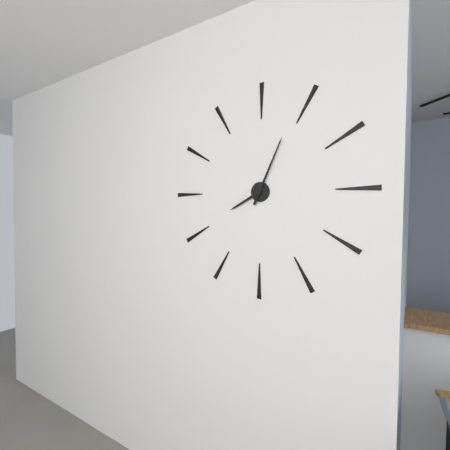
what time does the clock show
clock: 8:04
